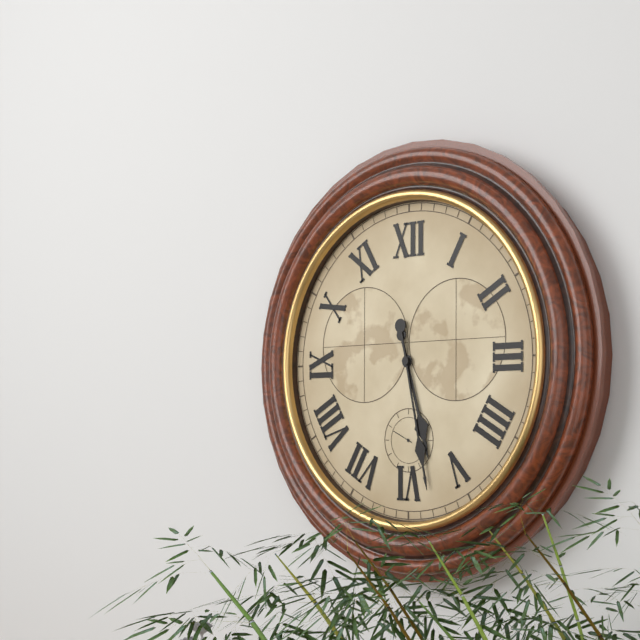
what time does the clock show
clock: 5:28
